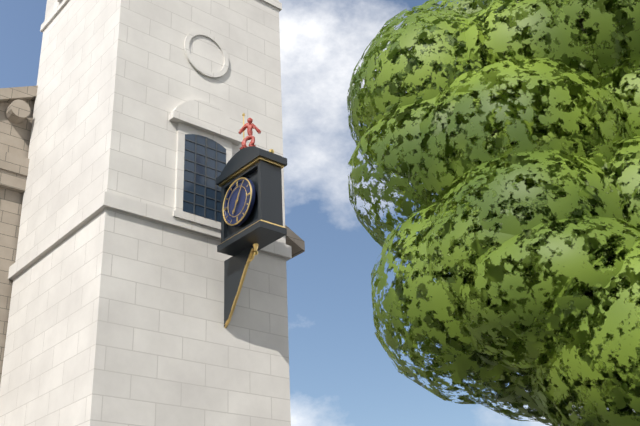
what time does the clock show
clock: 7:05
